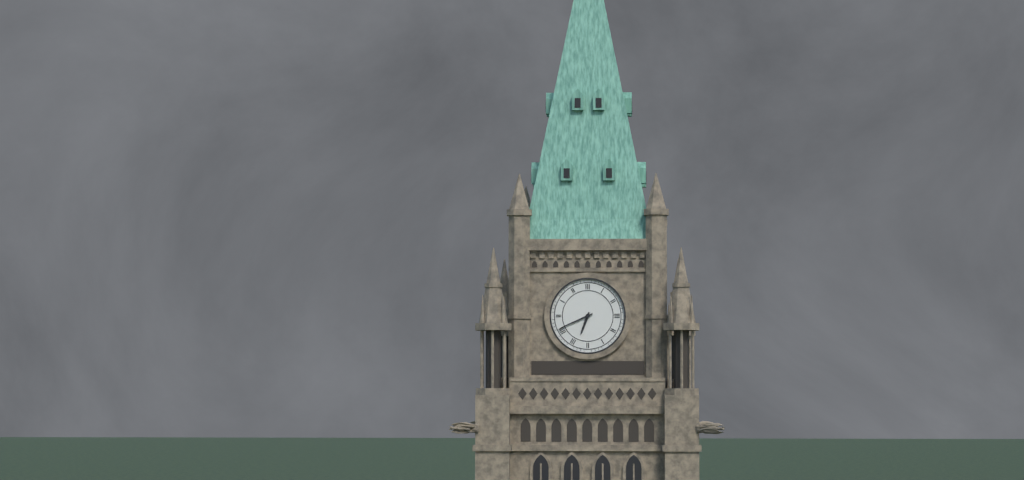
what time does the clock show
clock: 6:41
